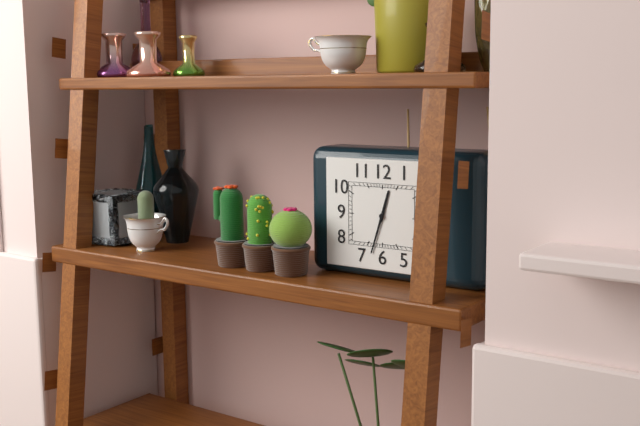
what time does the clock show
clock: 12:33
